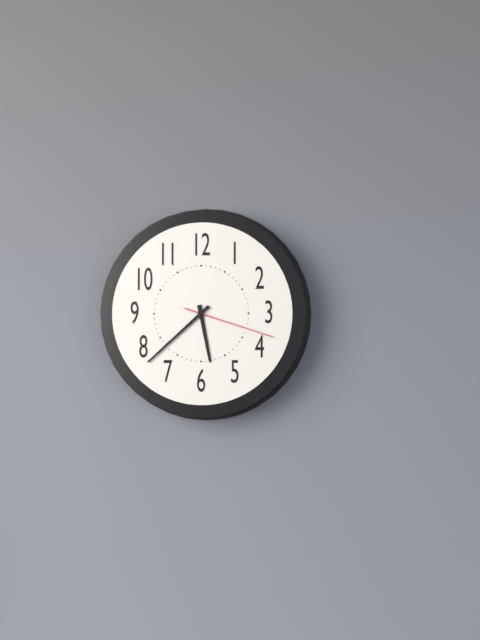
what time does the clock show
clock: 5:38:18
